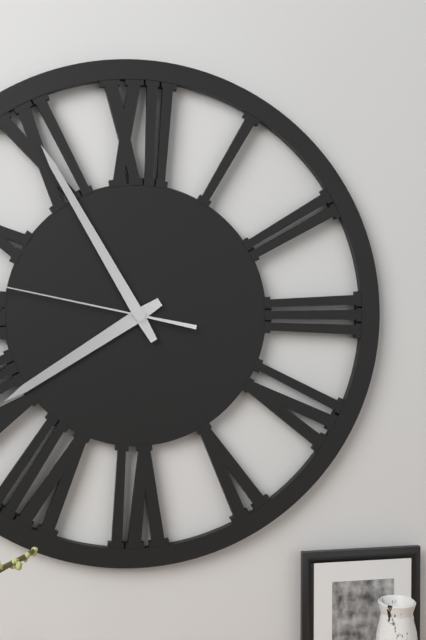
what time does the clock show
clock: 7:55
